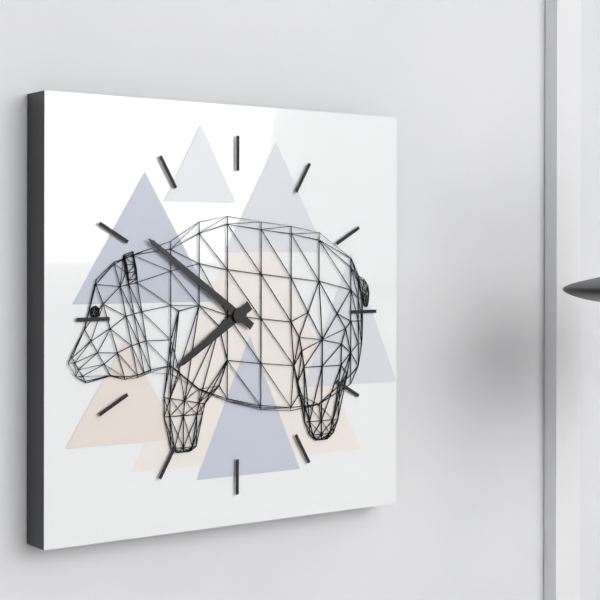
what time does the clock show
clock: 7:51
